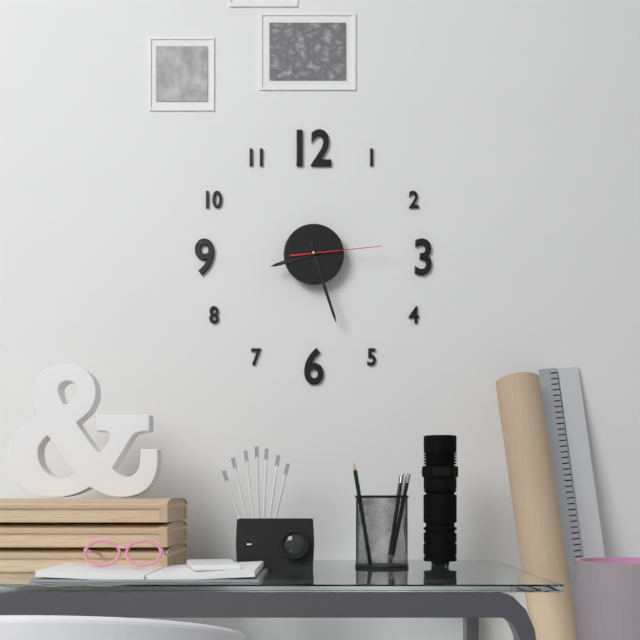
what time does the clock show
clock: 8:27:14
